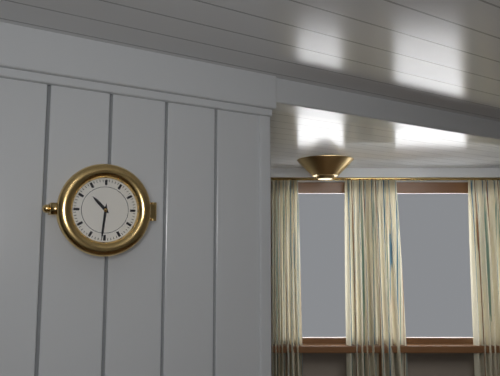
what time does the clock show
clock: 10:31
